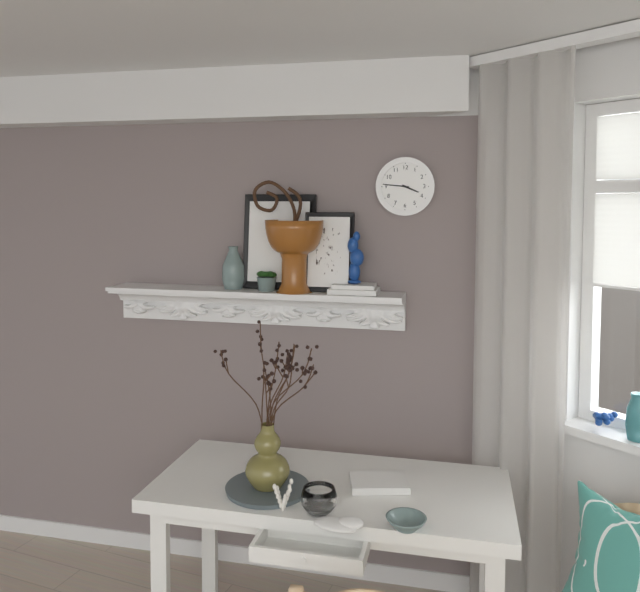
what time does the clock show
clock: 3:46
